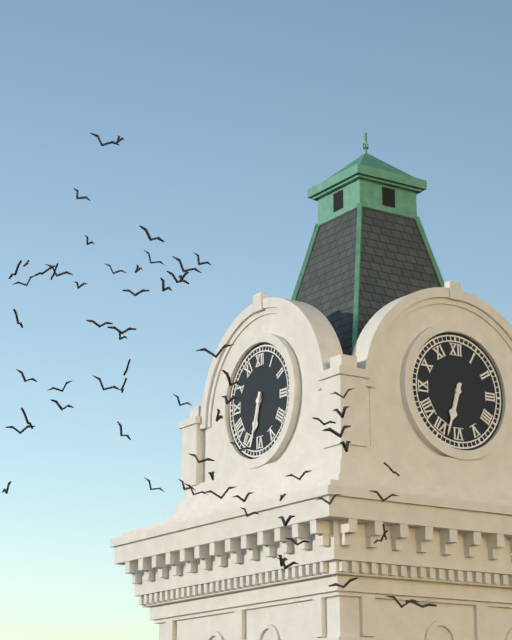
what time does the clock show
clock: 6:33
